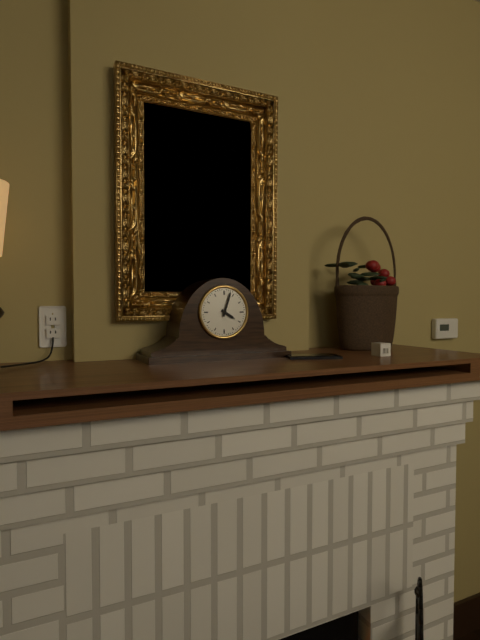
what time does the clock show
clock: 4:03
